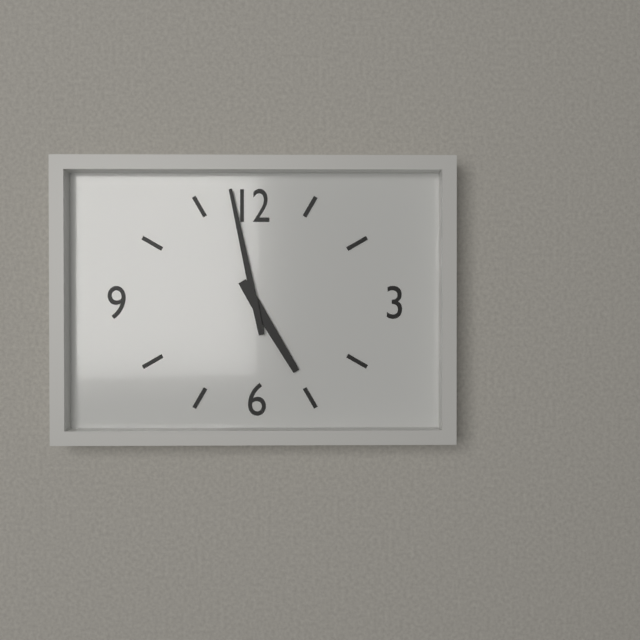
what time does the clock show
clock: 4:58
